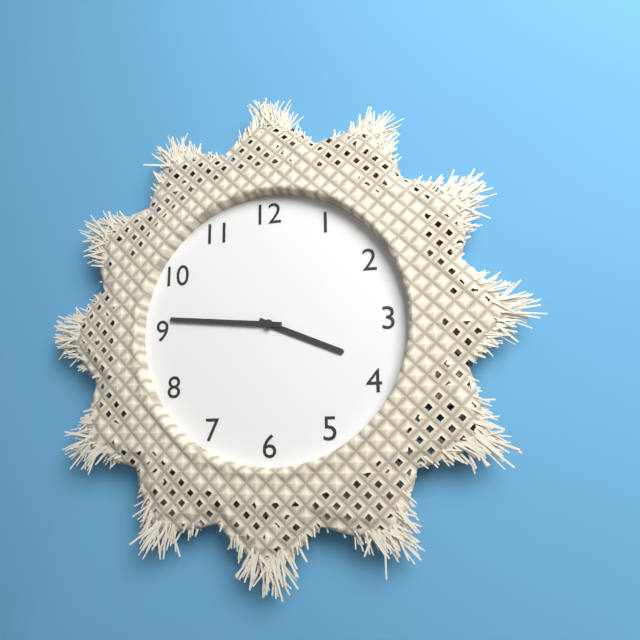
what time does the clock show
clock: 3:46
